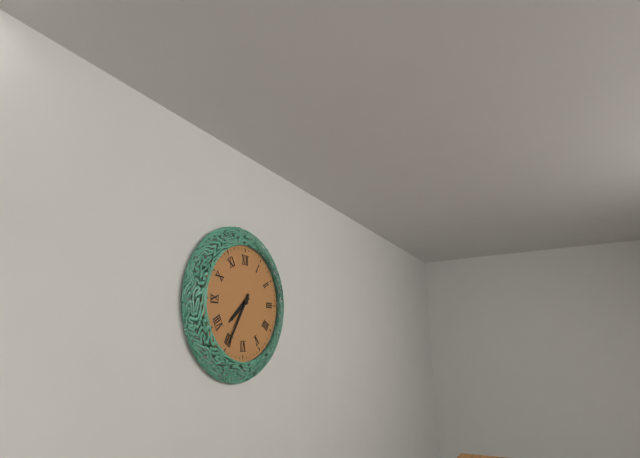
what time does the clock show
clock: 7:35
